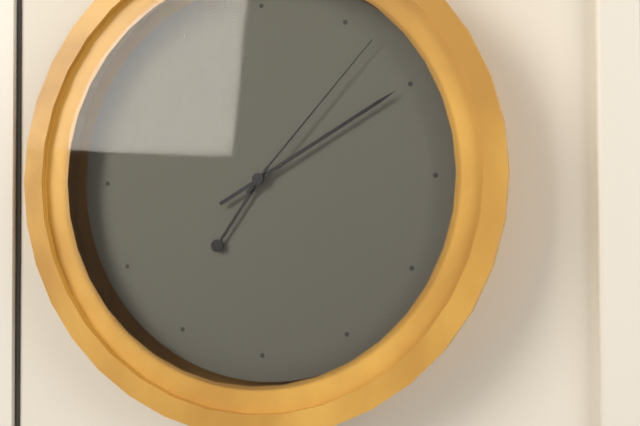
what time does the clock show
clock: 7:10:07
